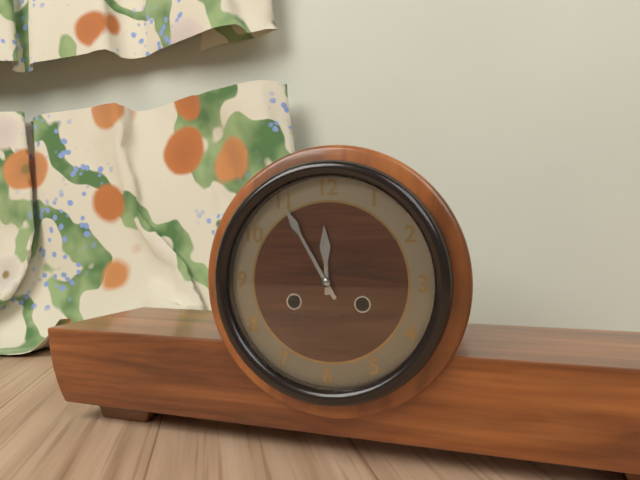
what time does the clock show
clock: 11:55
